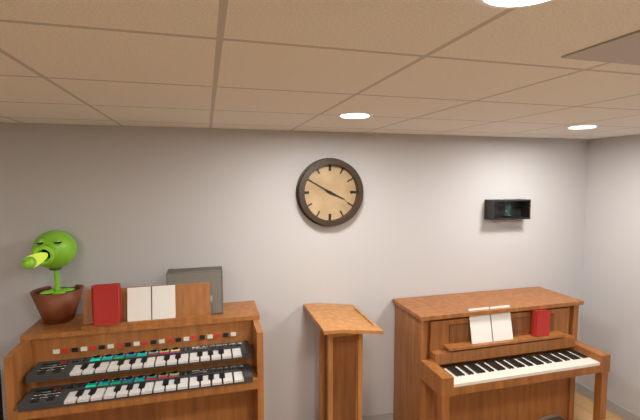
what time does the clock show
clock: 3:50
